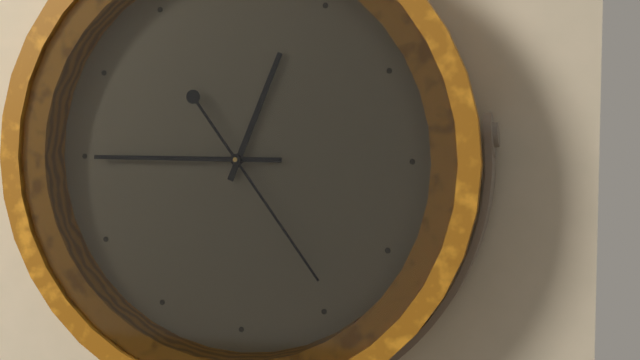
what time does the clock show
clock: 12:45:24
